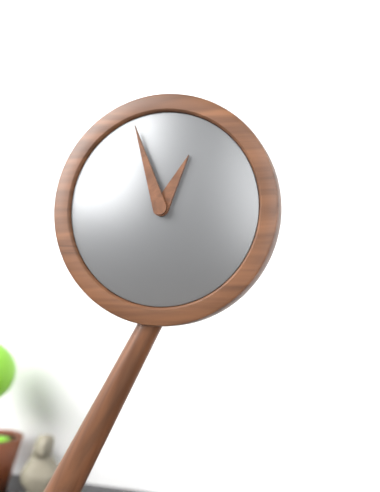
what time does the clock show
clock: 12:57
